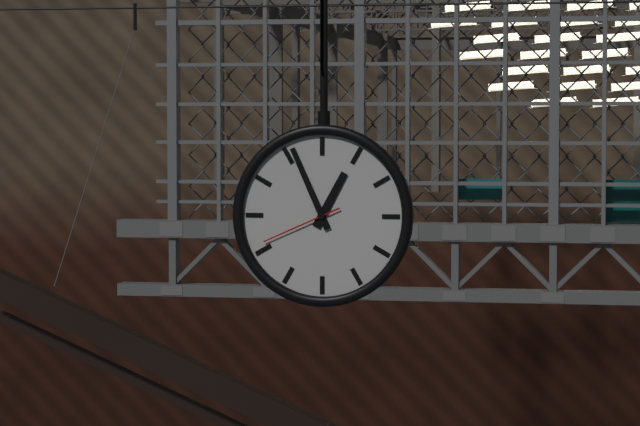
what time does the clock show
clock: 12:56:41
